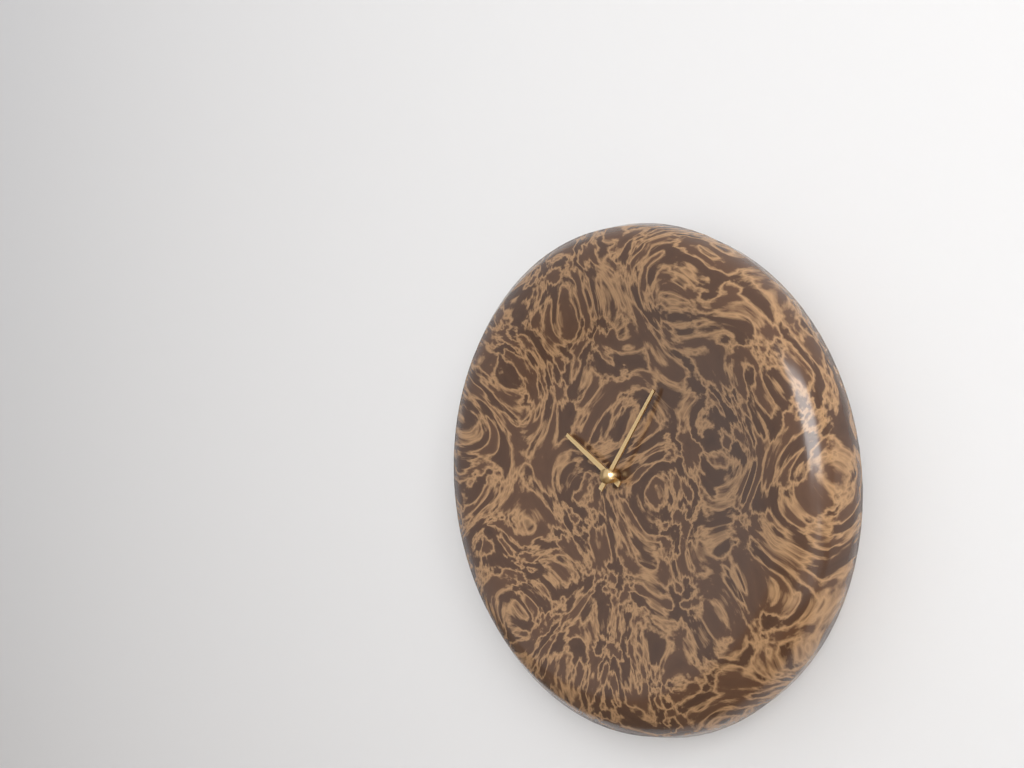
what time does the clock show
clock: 10:06
